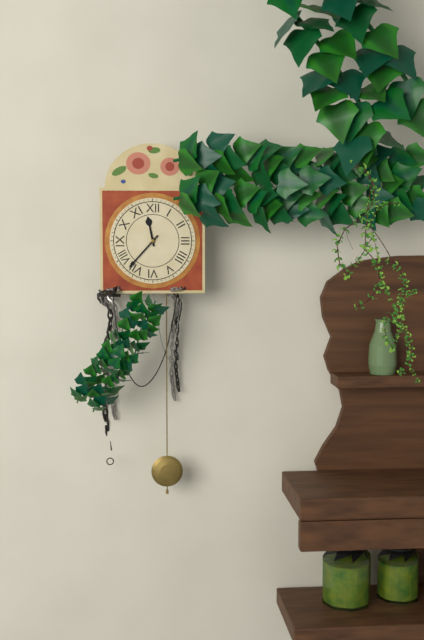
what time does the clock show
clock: 11:37
